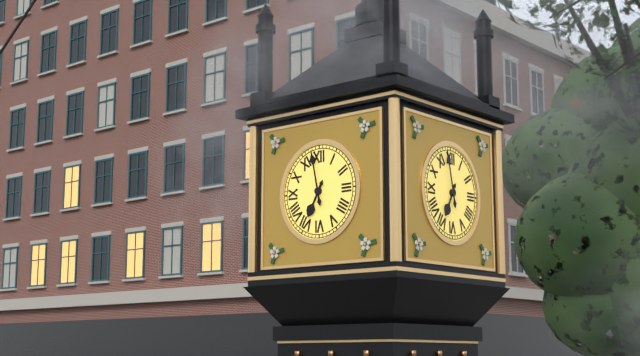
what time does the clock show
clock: 6:58
